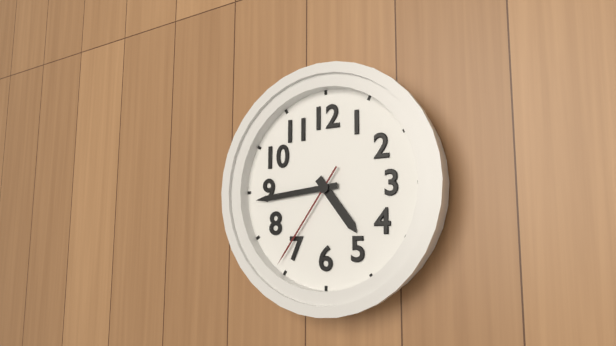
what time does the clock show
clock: 4:44:36
